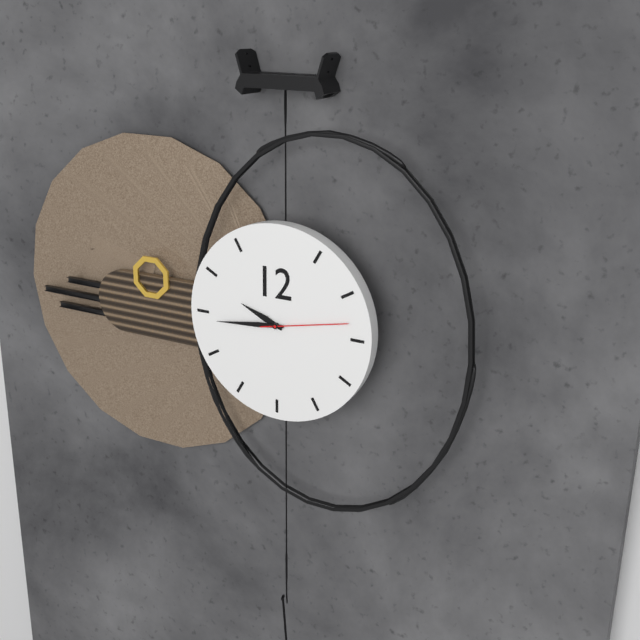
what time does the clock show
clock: 9:44:13
